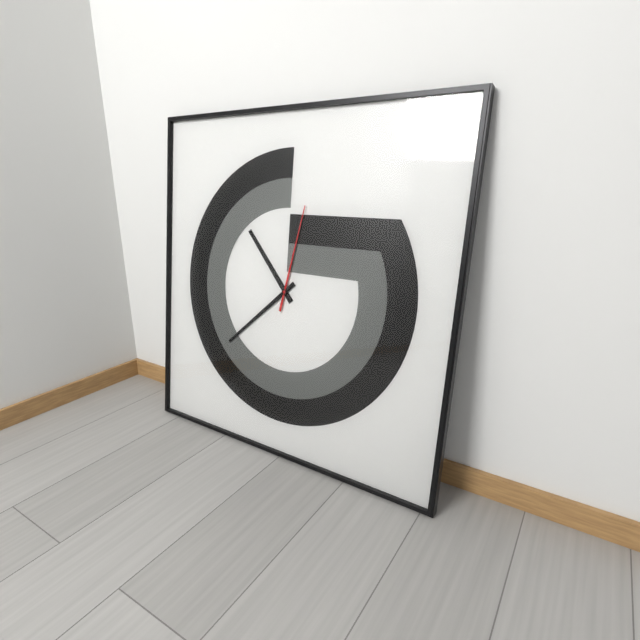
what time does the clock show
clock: 10:38:02
